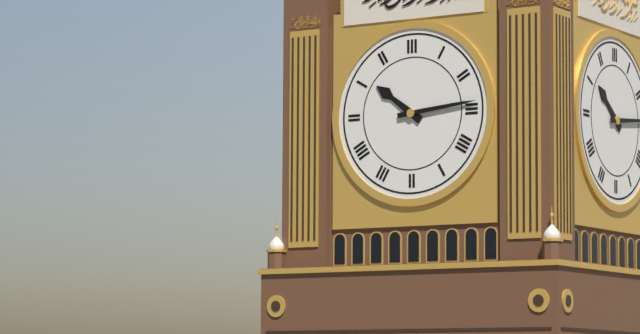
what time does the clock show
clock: 10:14
